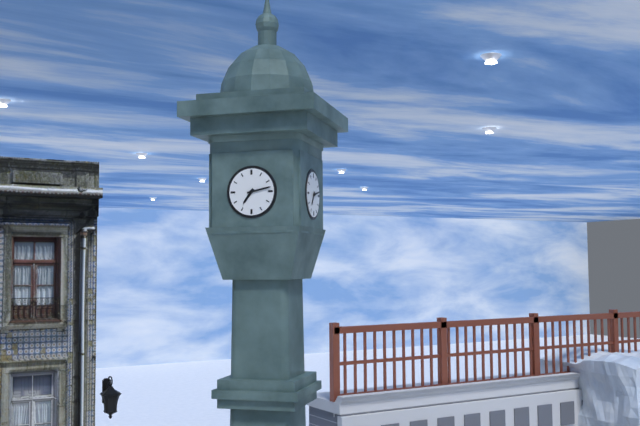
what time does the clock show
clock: 7:13
